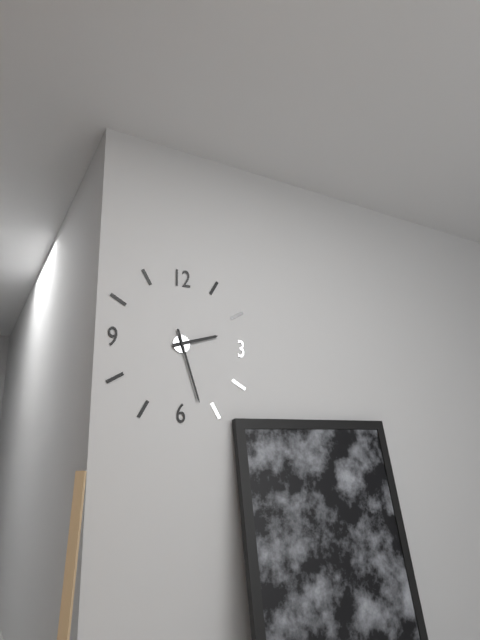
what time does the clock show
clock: 2:27
